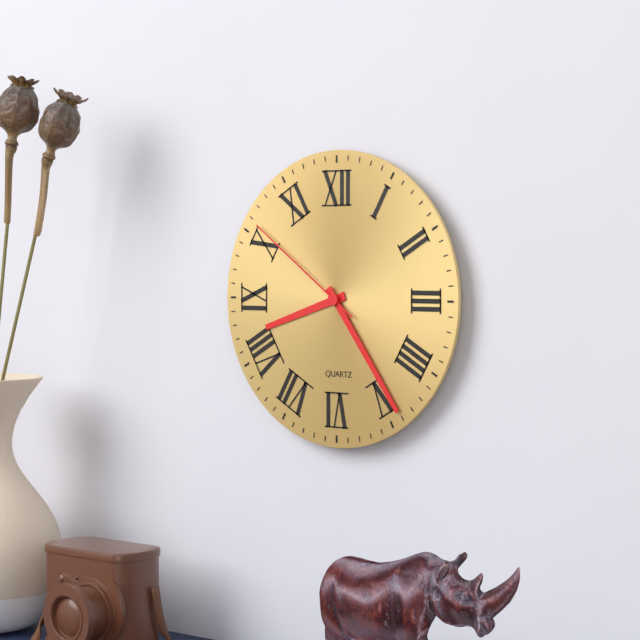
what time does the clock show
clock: 8:24:51
